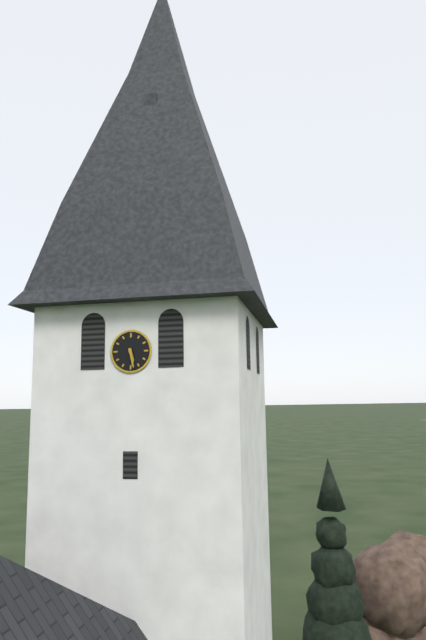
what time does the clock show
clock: 5:28
